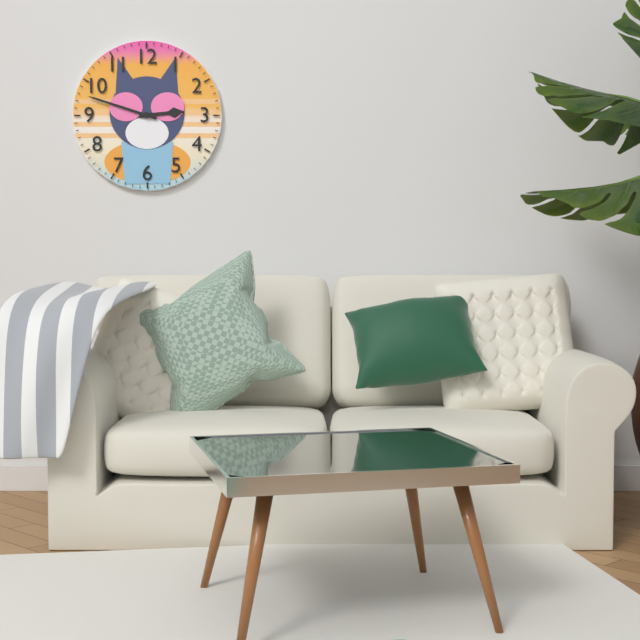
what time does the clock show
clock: 2:48
